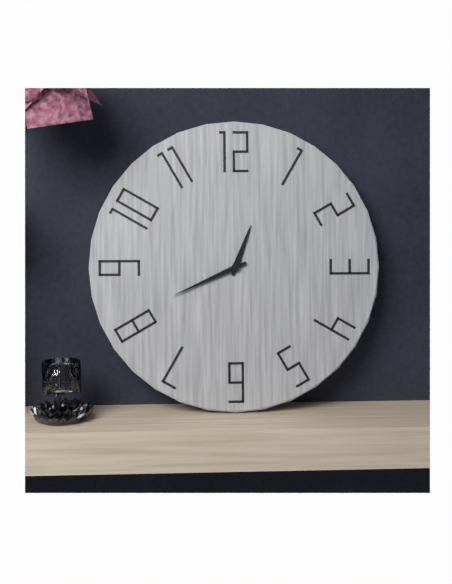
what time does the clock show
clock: 12:41
